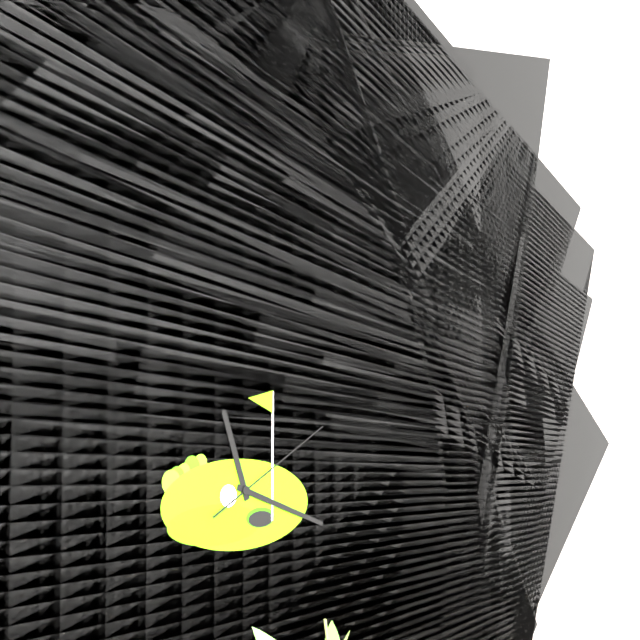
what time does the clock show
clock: 11:18:10
